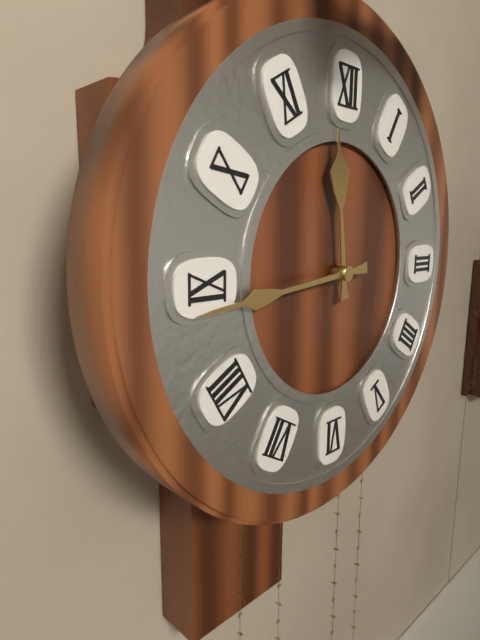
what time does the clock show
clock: 11:44
